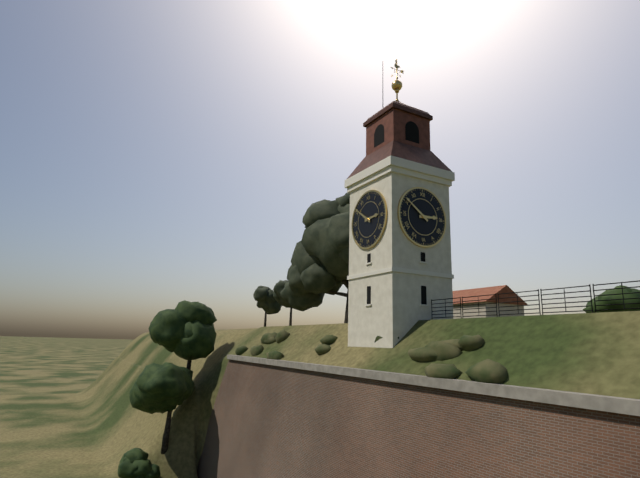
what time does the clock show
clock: 2:51
